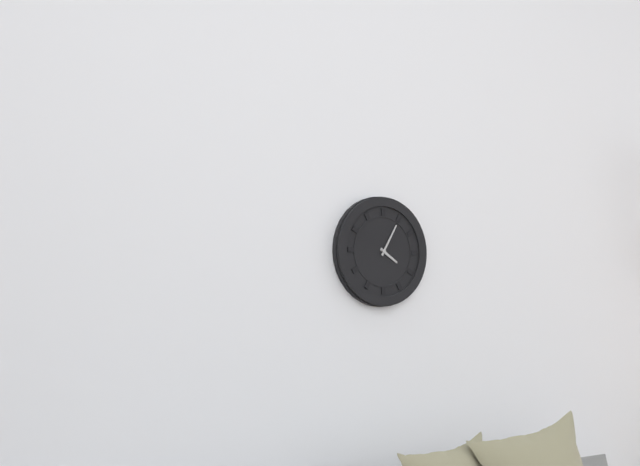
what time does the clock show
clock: 4:05
